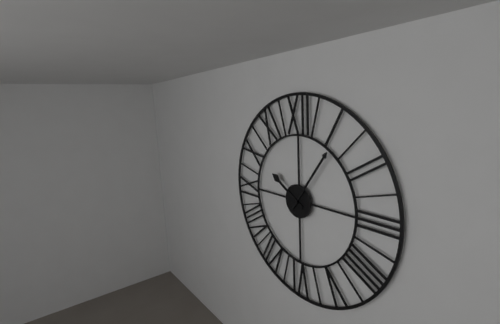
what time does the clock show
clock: 10:06
